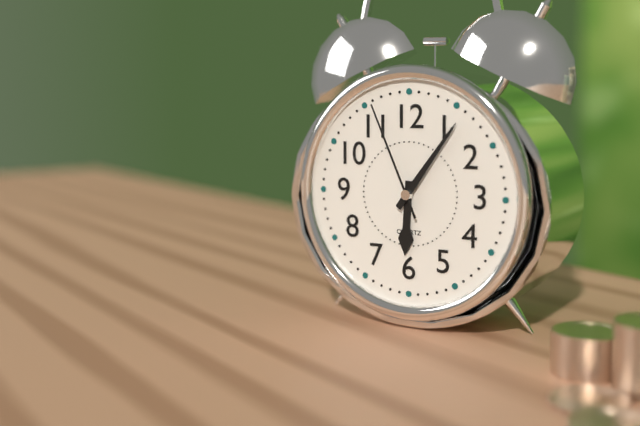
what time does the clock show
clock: 6:06:56
